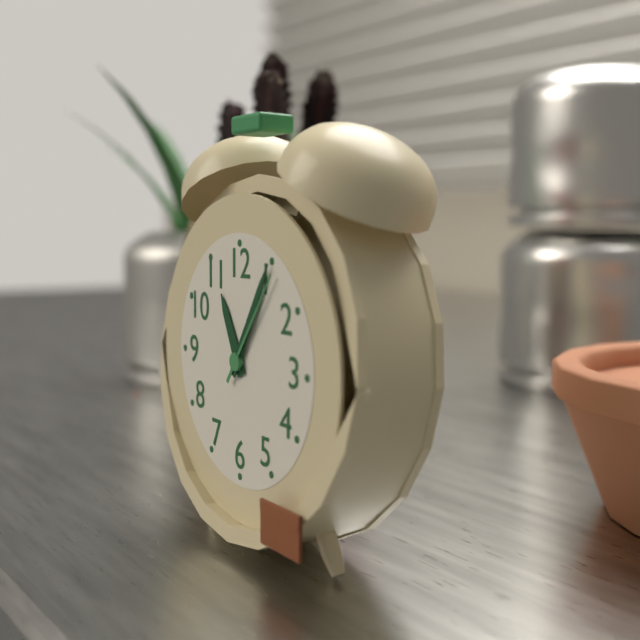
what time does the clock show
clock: 11:05:06
